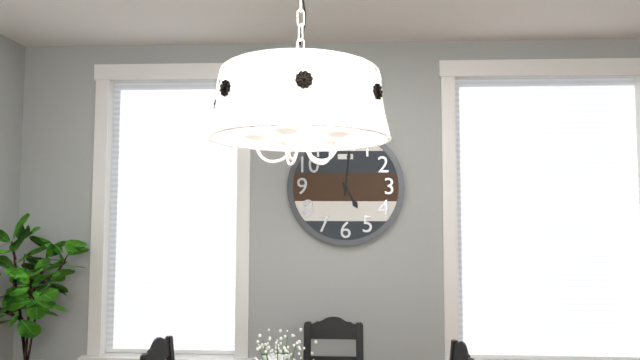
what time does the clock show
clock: 5:01
